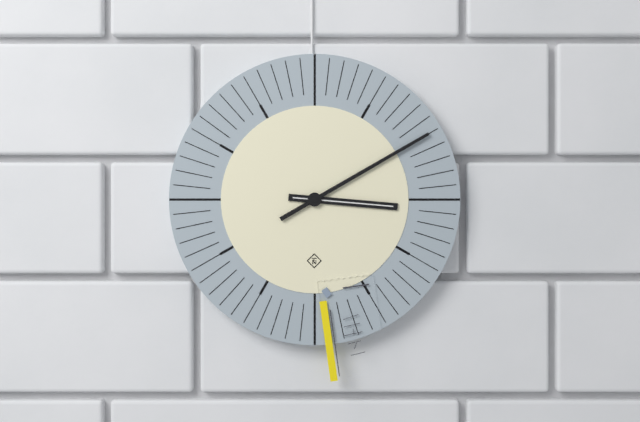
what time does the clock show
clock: 3:10
